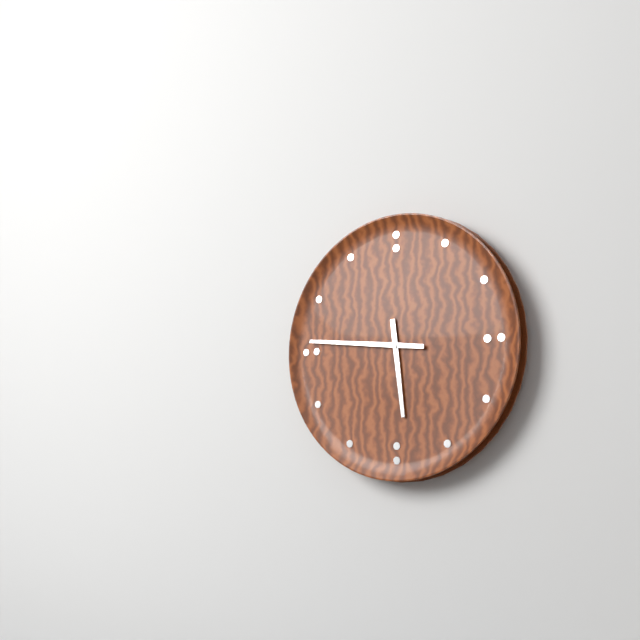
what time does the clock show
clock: 5:46
